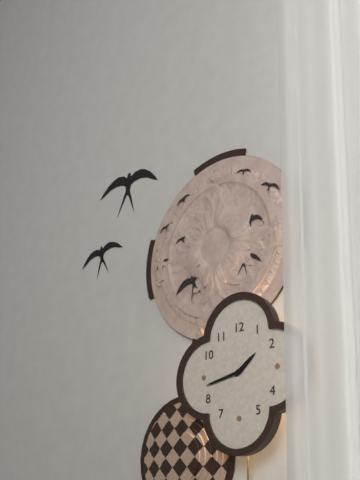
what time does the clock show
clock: 1:43
